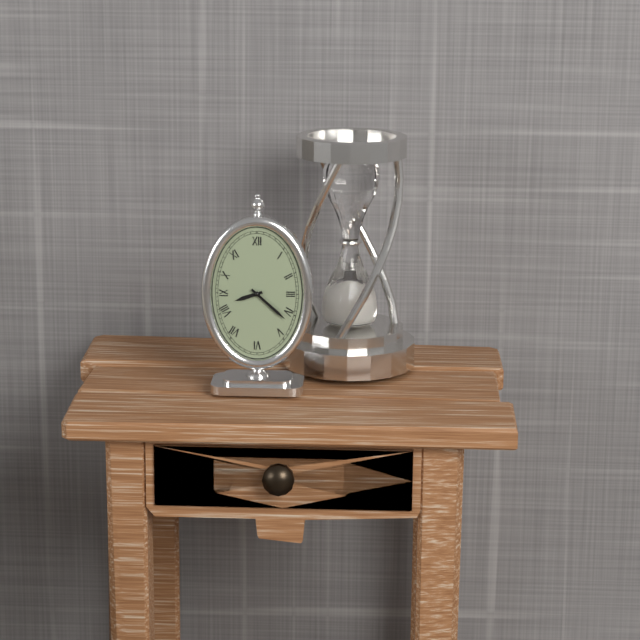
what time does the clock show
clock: 8:22
